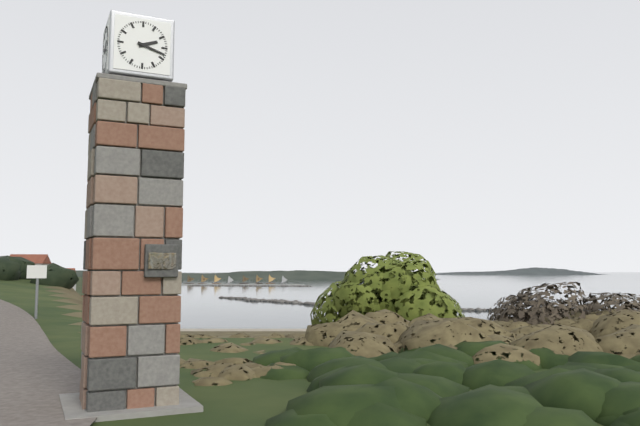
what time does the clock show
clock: 2:18
